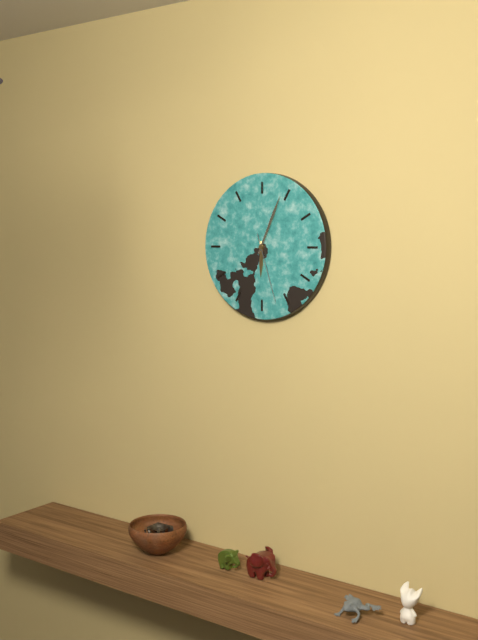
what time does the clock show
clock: 6:04:27
